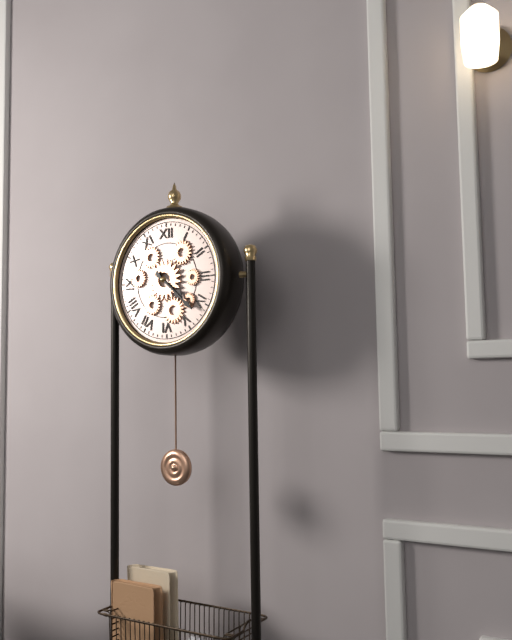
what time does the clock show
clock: 4:22
